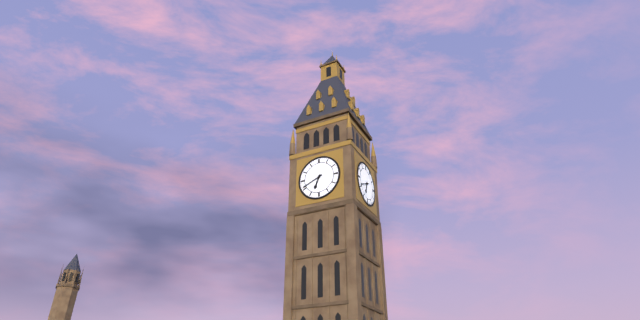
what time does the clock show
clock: 6:41
